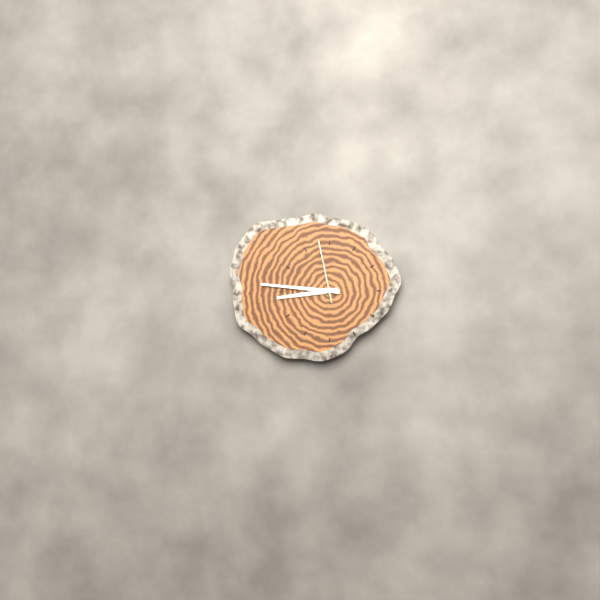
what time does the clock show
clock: 8:46:58
